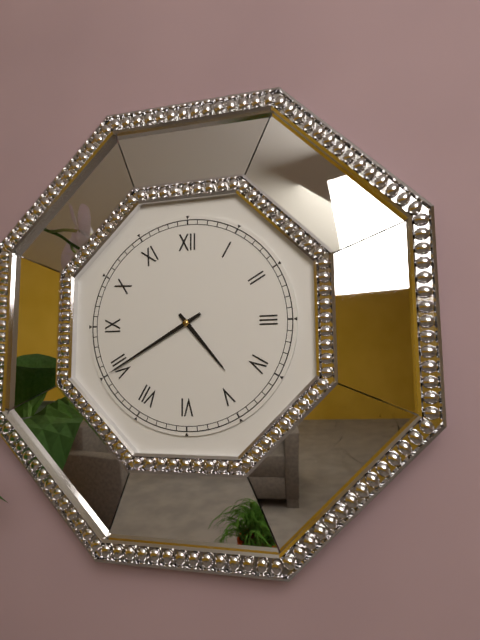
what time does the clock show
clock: 4:40
